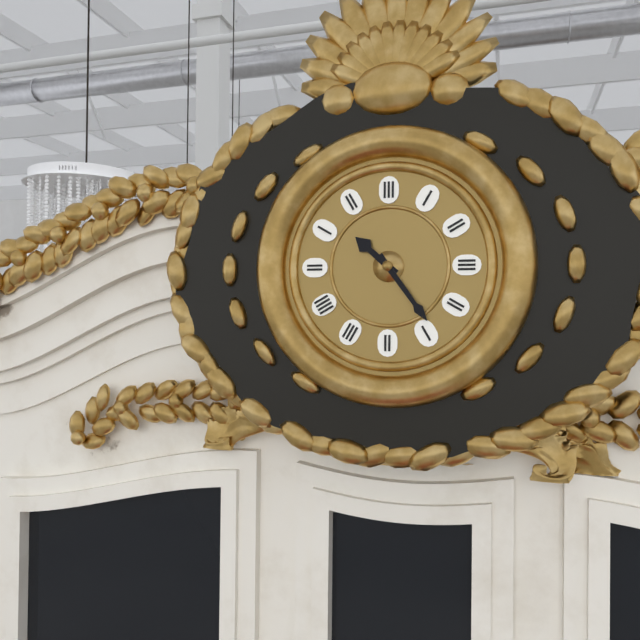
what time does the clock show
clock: 10:24
